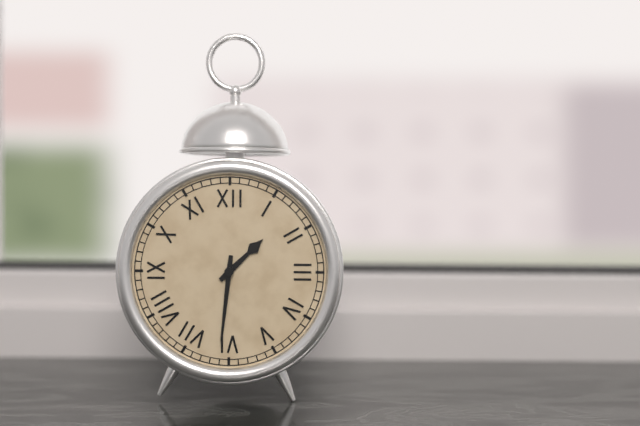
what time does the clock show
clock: 1:31
